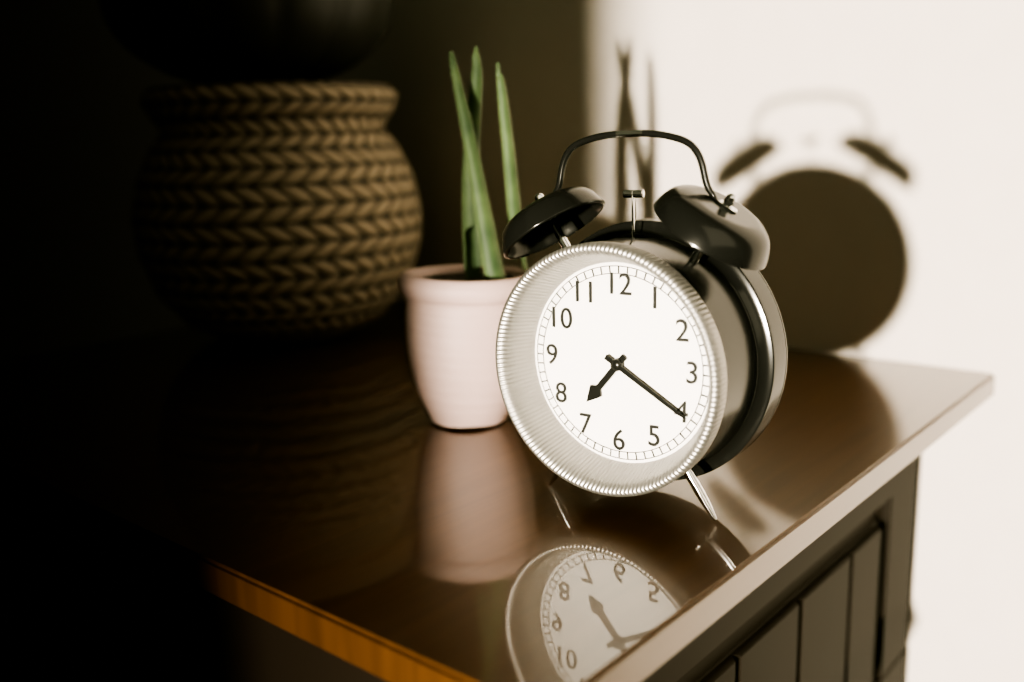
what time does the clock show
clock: 7:20
